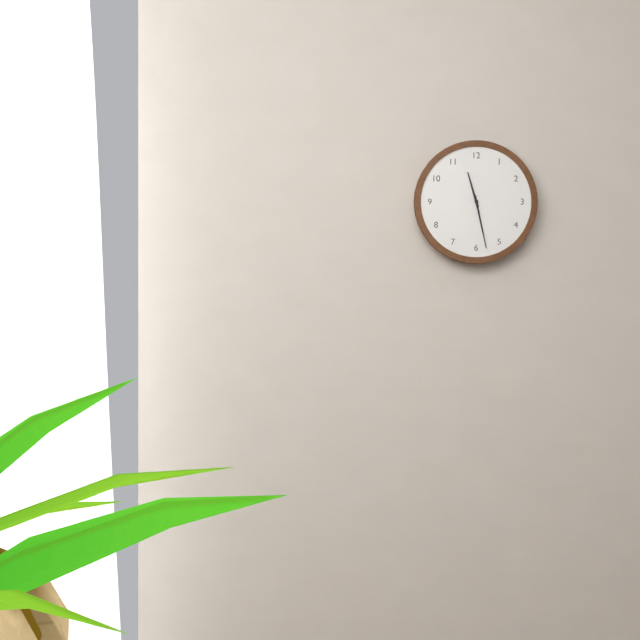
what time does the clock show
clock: 11:28
